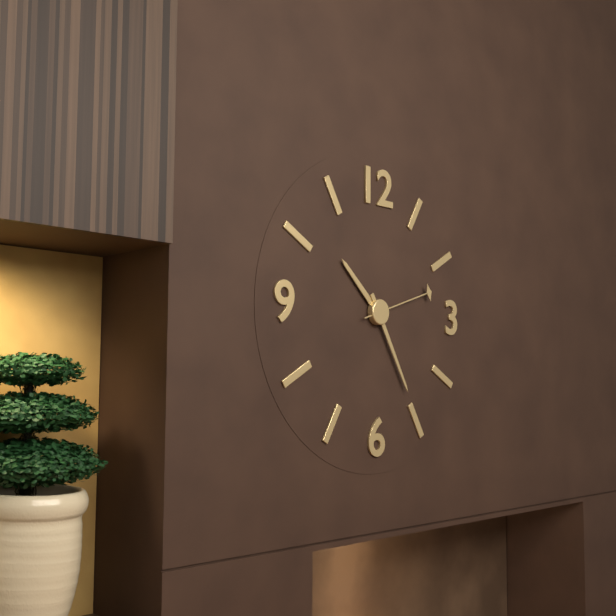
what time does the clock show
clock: 10:25:12
